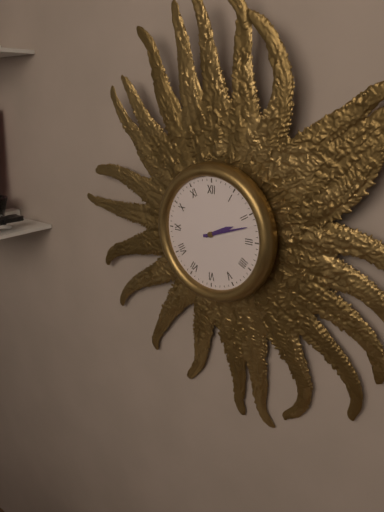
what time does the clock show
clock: 2:12
